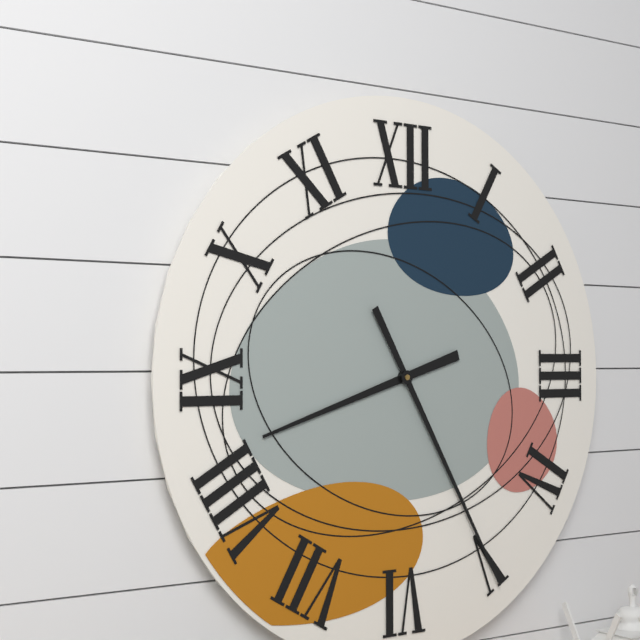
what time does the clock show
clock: 8:25
